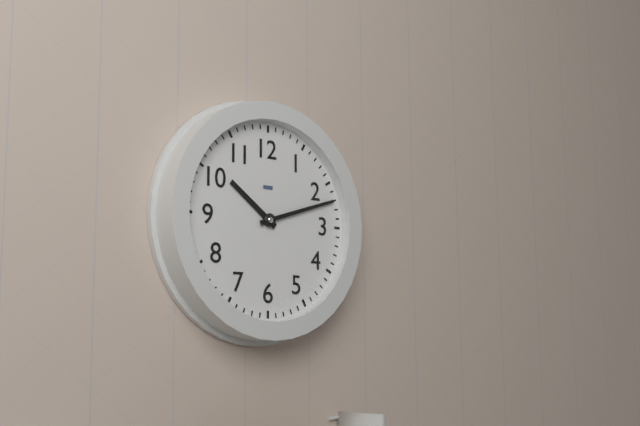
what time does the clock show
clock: 10:12
